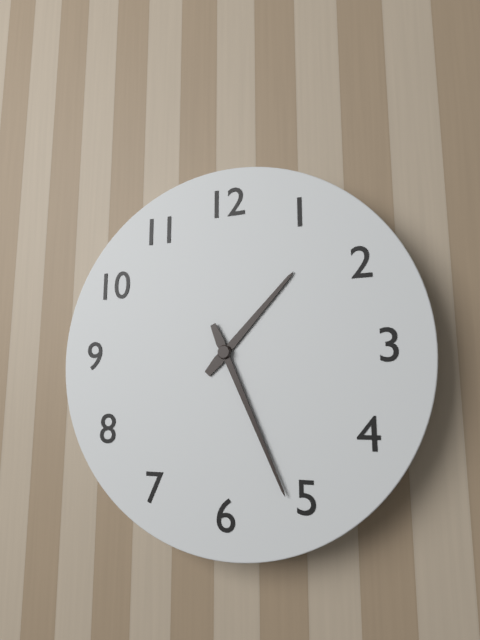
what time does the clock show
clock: 1:26
